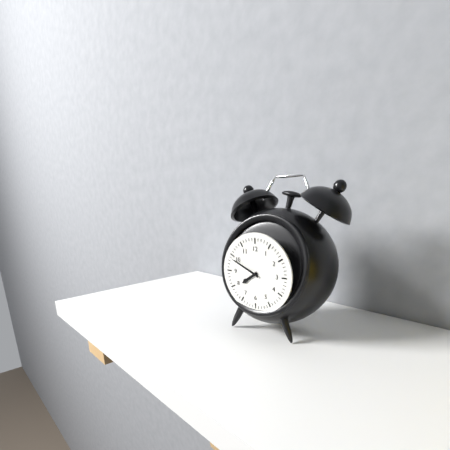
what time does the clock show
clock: 7:49
